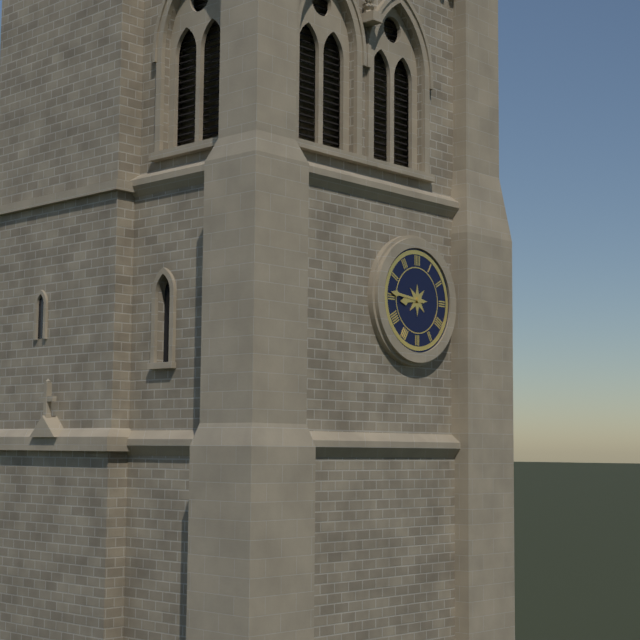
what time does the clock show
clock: 8:46
